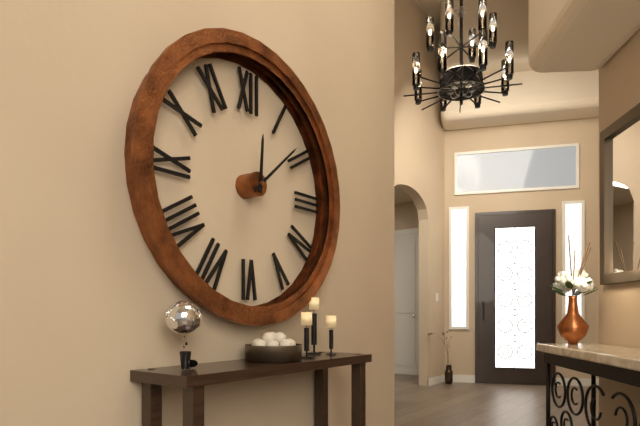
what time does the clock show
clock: 12:08
